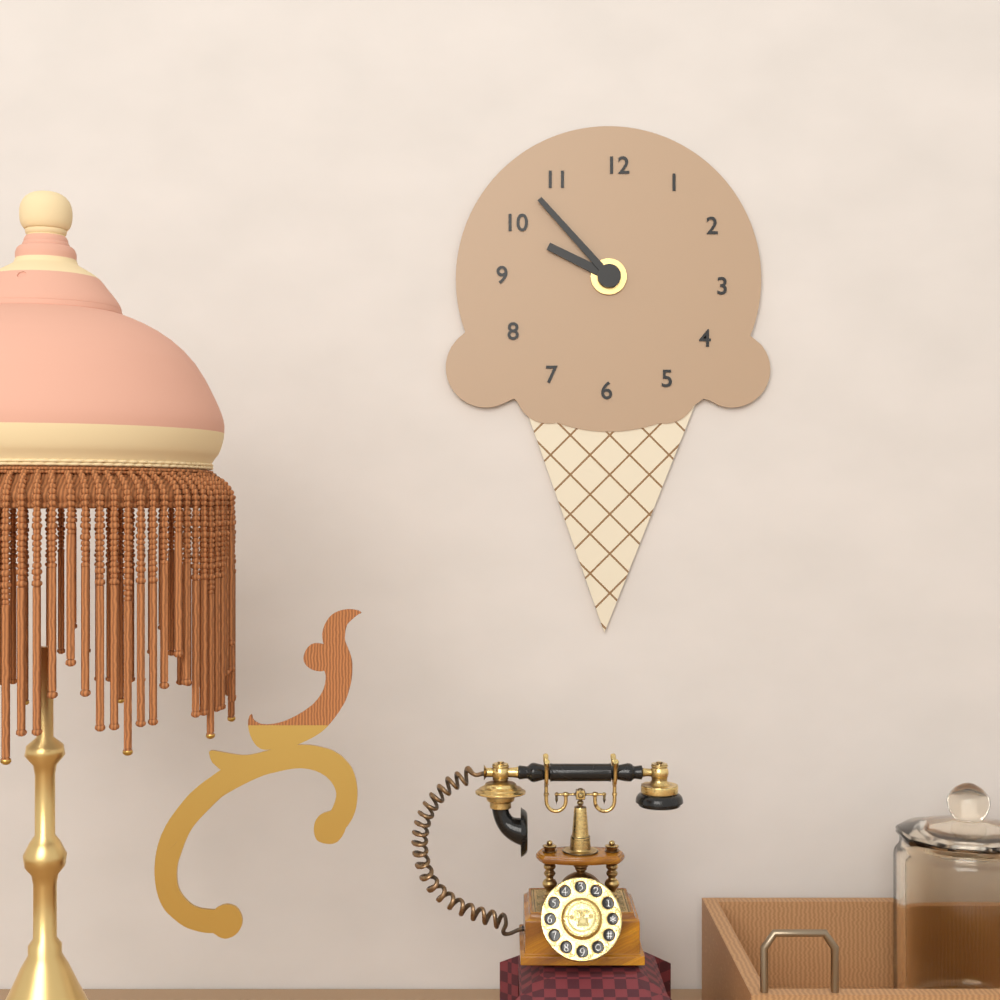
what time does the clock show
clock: 9:53
